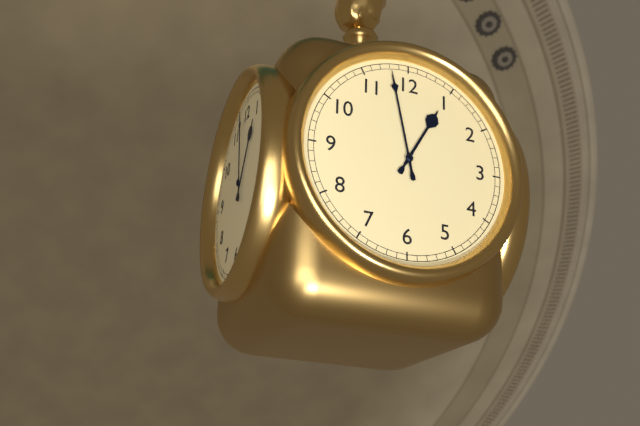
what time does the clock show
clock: 12:58
